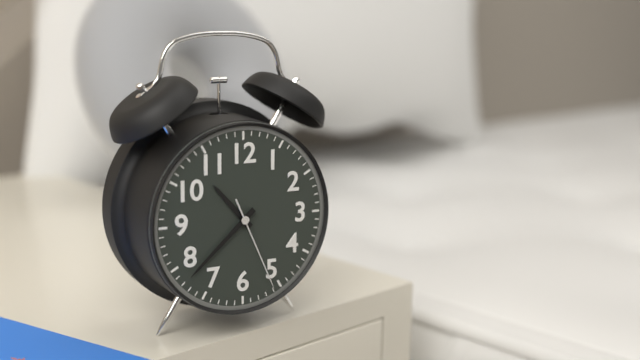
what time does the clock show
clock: 10:38:26
